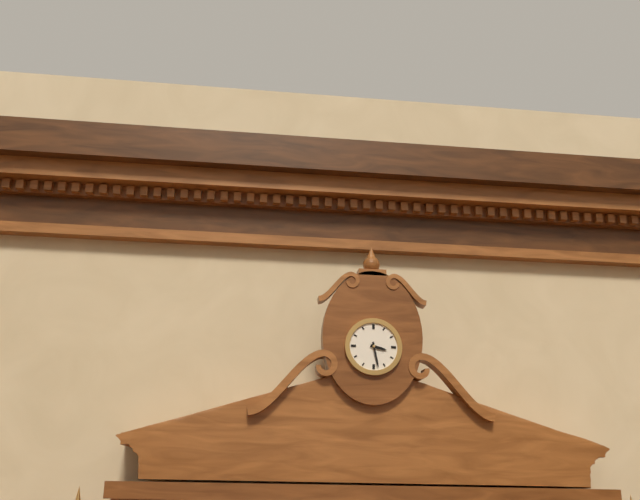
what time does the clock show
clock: 3:28
